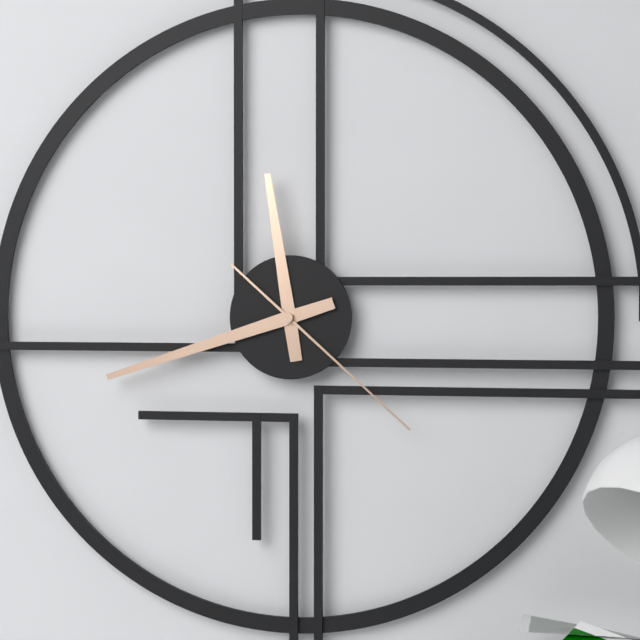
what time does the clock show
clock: 11:42:22
